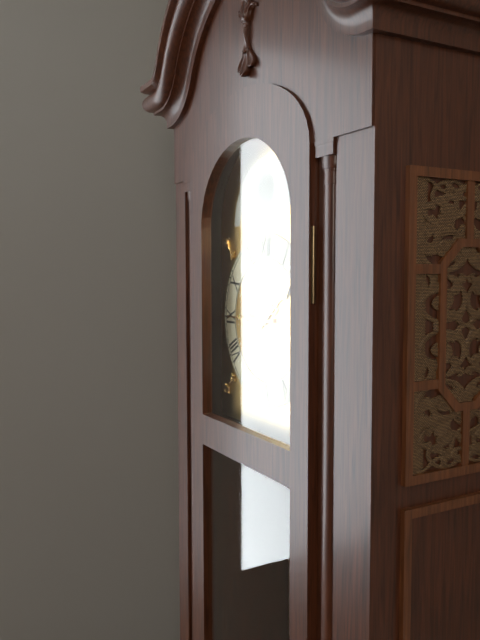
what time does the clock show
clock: 1:45
